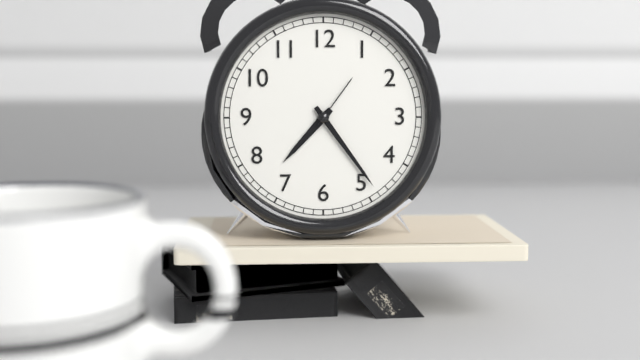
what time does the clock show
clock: 7:24:06
